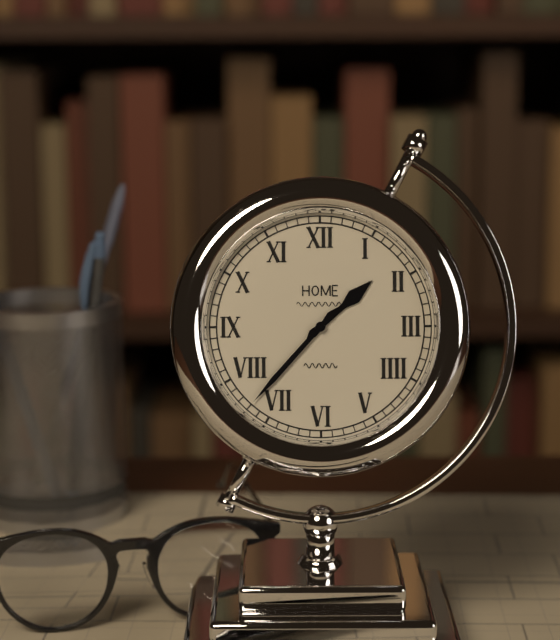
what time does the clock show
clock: 1:37
